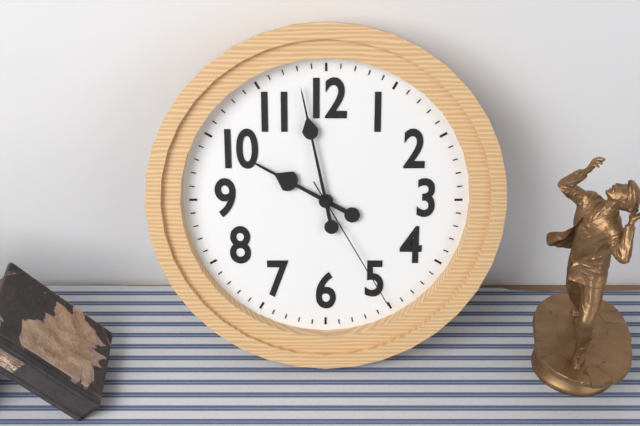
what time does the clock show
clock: 9:58:25
